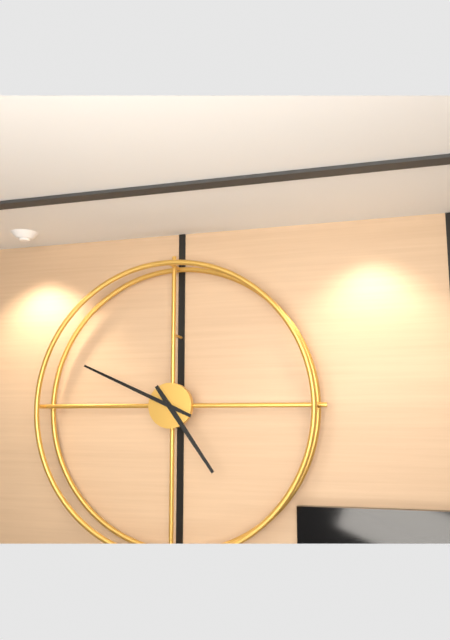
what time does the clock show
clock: 4:49
